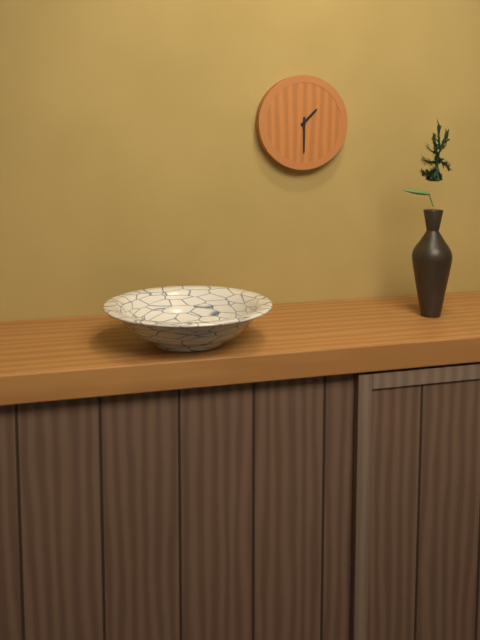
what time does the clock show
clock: 1:30
